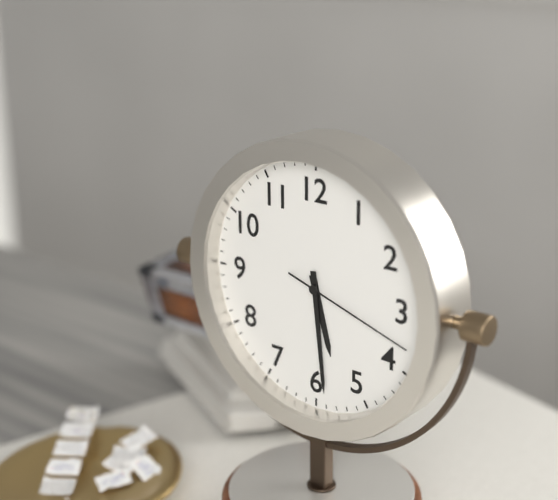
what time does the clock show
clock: 5:29:18
